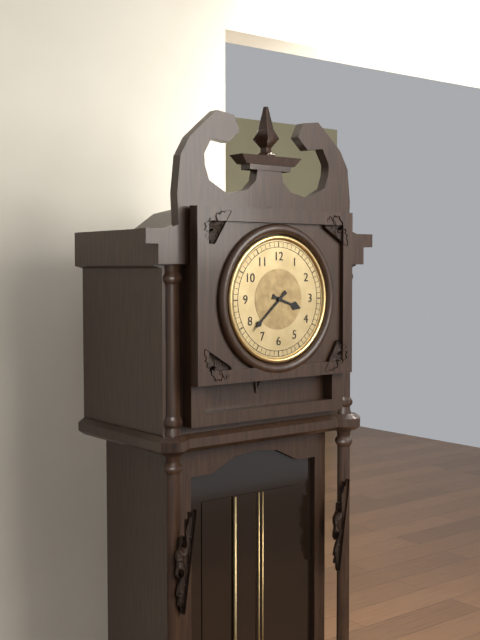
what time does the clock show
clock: 3:38
